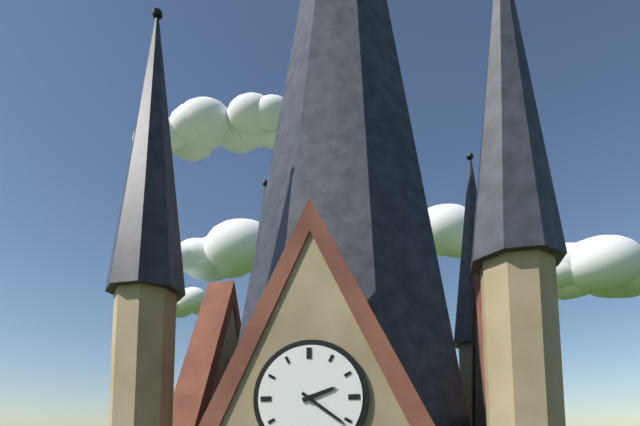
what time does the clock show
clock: 2:21
